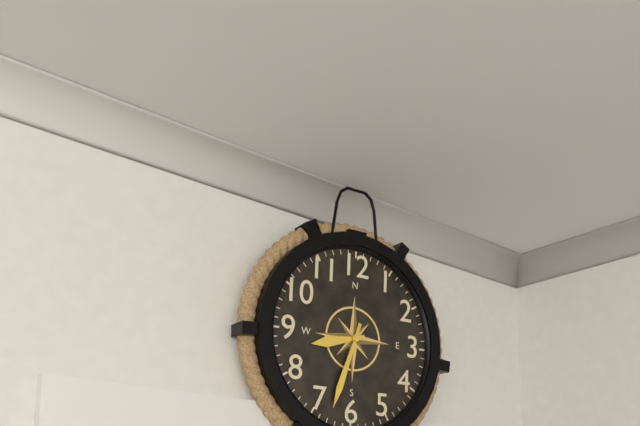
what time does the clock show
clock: 8:33
